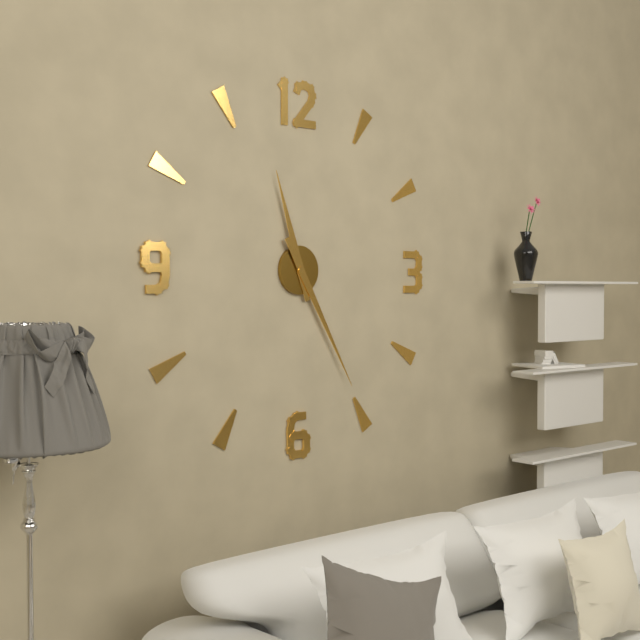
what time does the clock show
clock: 11:25
